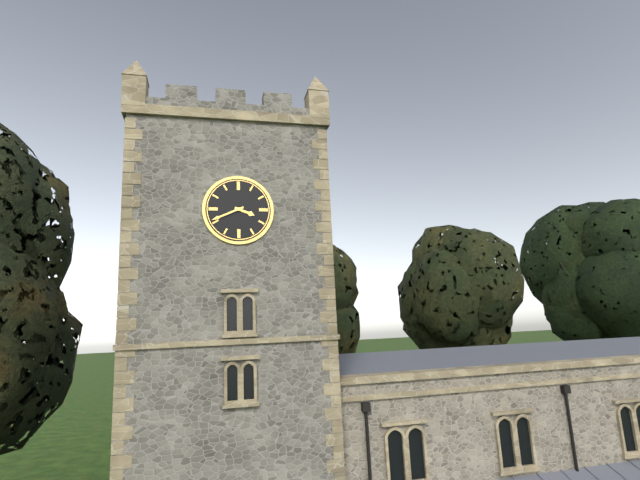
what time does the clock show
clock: 3:41
